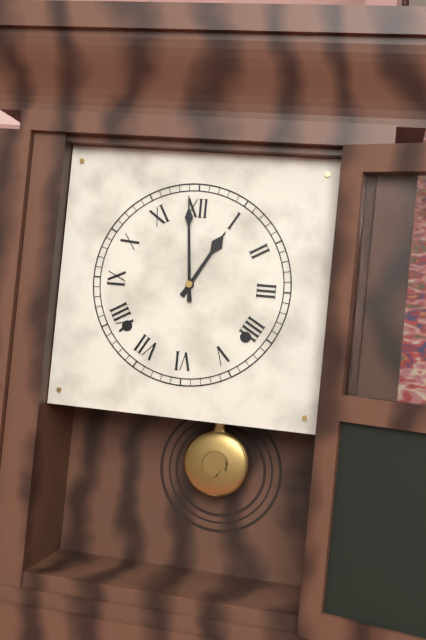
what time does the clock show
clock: 12:59
